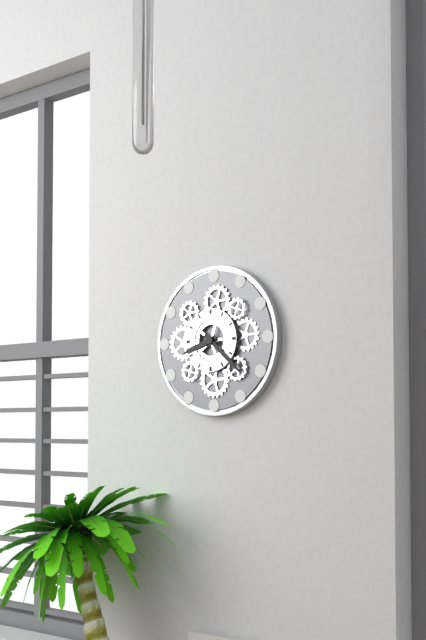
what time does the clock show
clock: 8:22
